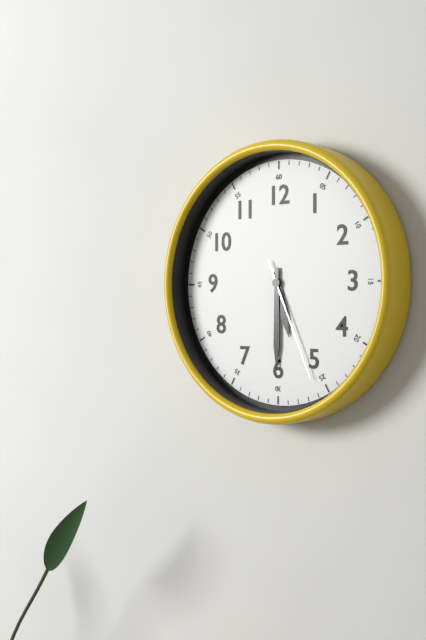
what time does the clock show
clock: 5:30:26
